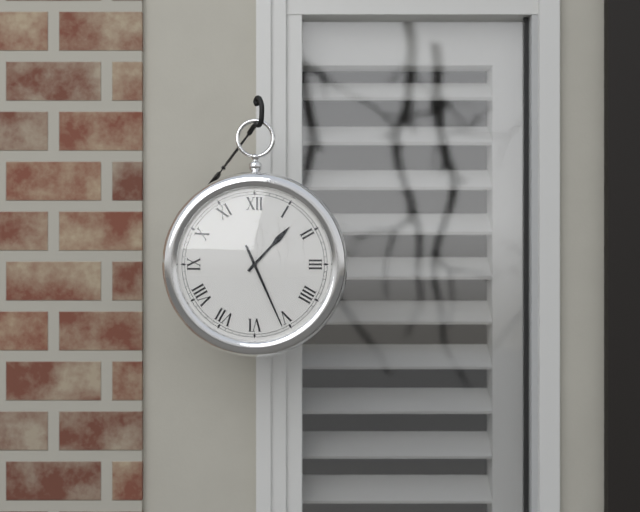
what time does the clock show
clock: 1:26
